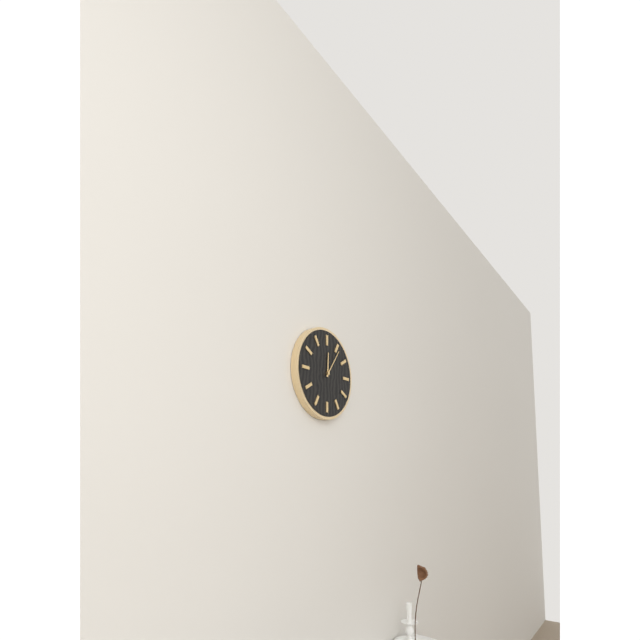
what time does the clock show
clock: 12:06
